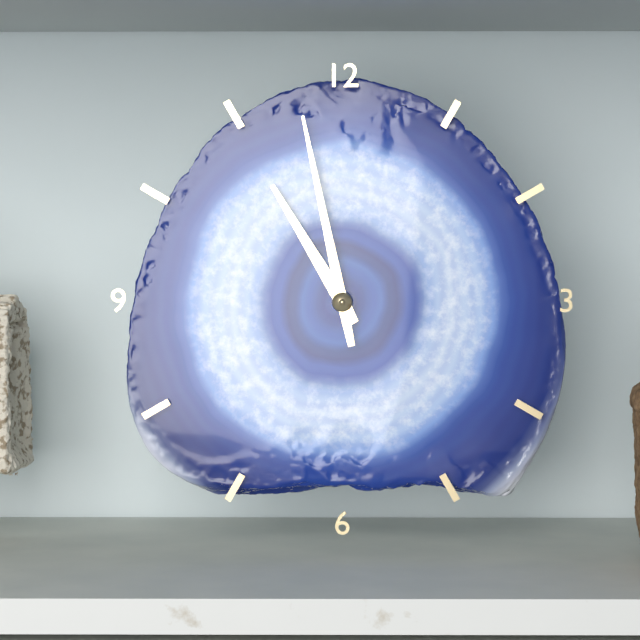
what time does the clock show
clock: 10:58
